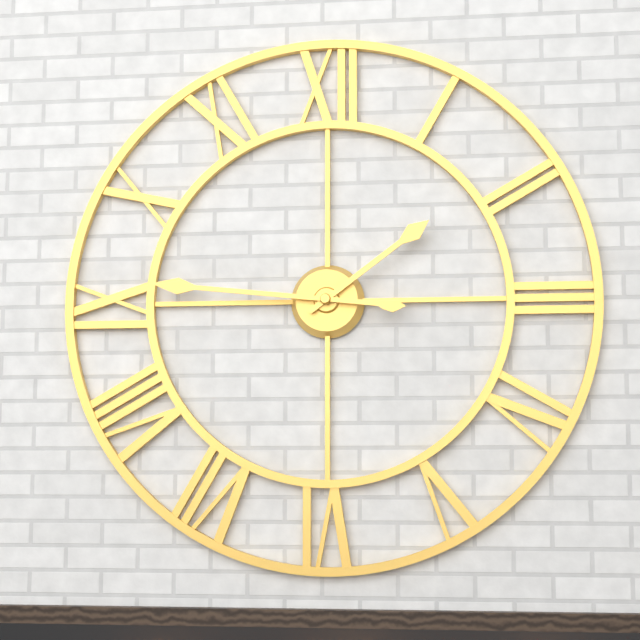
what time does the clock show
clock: 1:46
